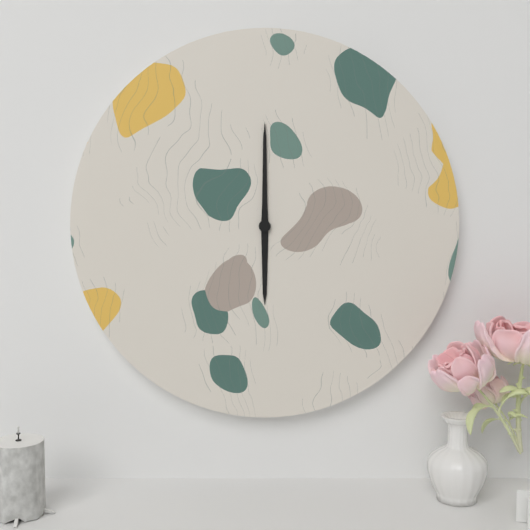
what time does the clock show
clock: 6:00
